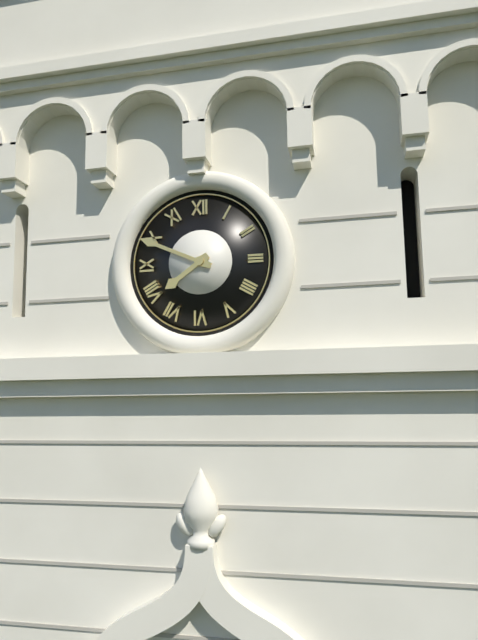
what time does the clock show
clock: 7:49
